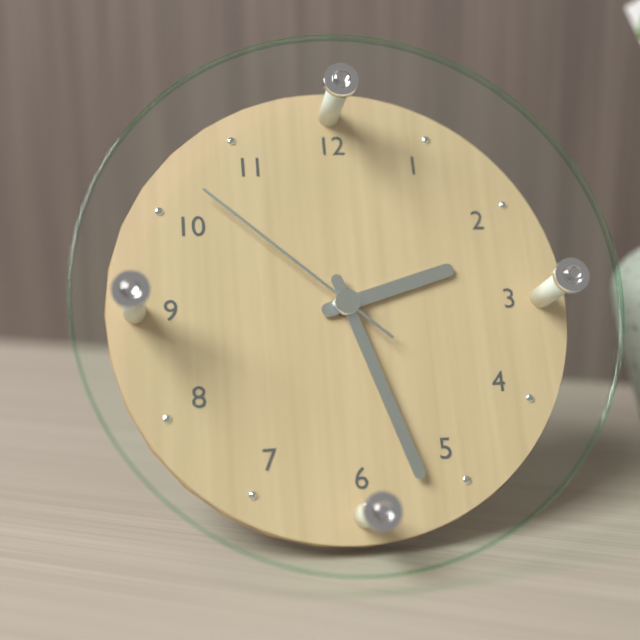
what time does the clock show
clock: 2:27:52
